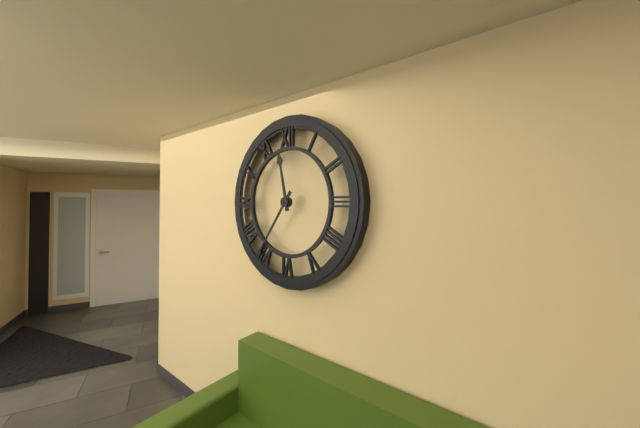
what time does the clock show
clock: 11:36
